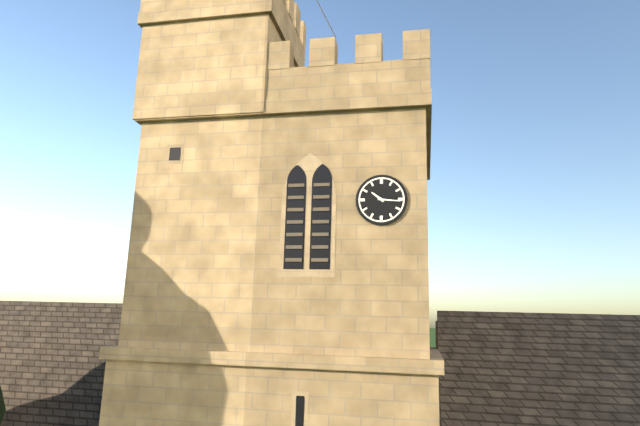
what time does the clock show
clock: 10:16
